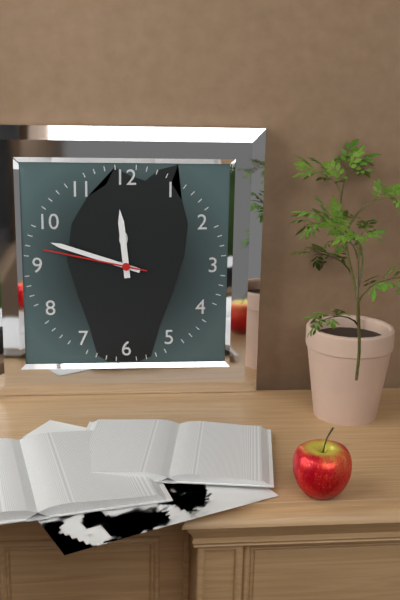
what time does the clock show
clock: 11:48:47
